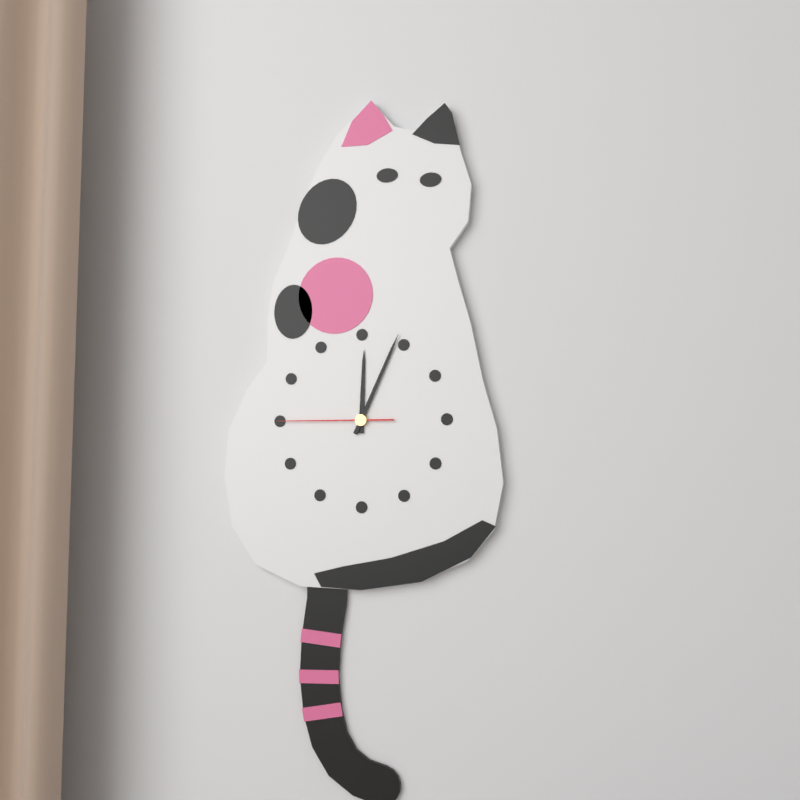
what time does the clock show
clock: 12:04:45
